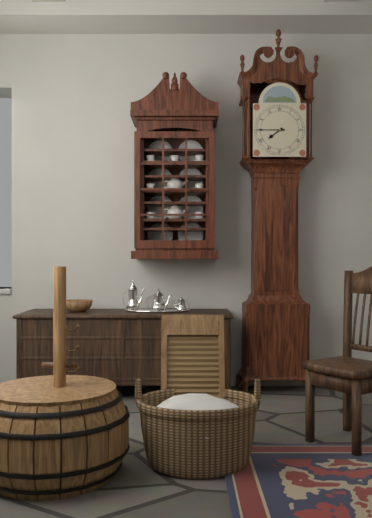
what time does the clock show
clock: 7:45
